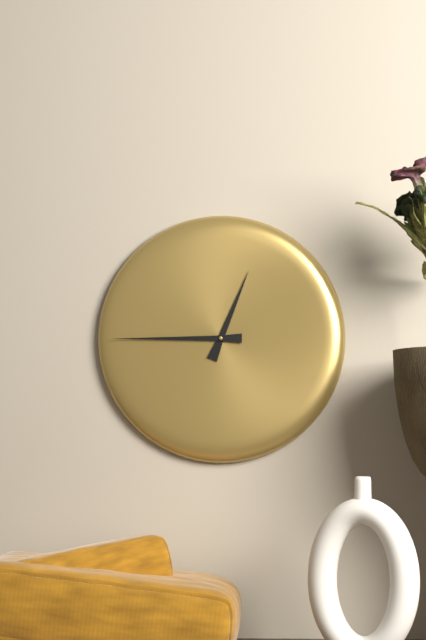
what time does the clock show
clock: 12:45
